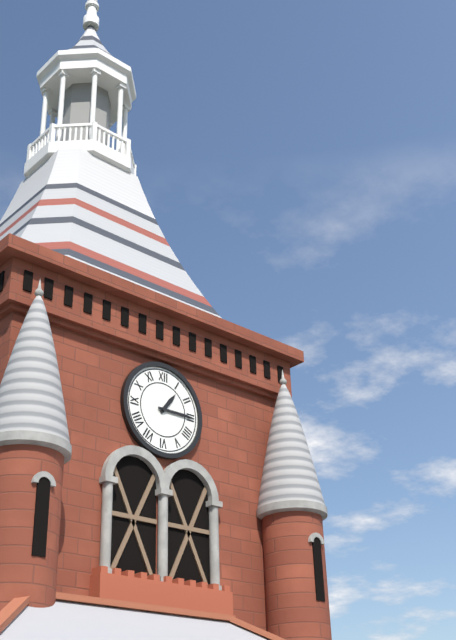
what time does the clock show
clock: 1:15
